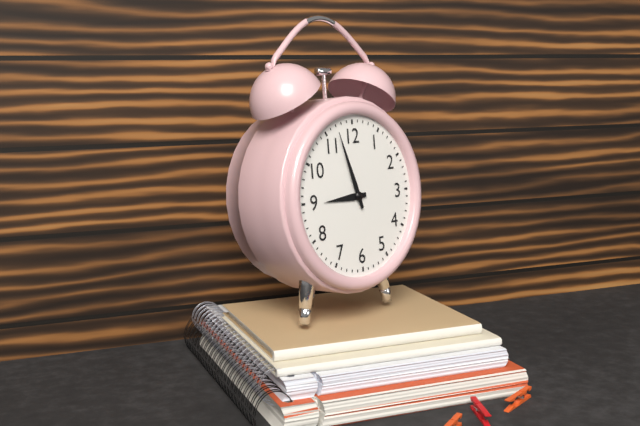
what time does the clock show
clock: 8:57
